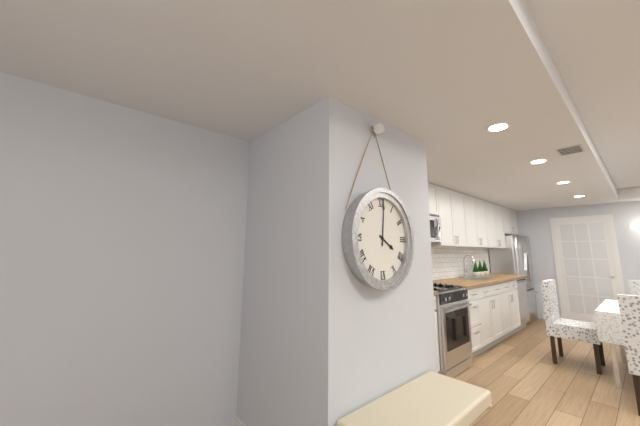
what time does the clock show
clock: 4:01
